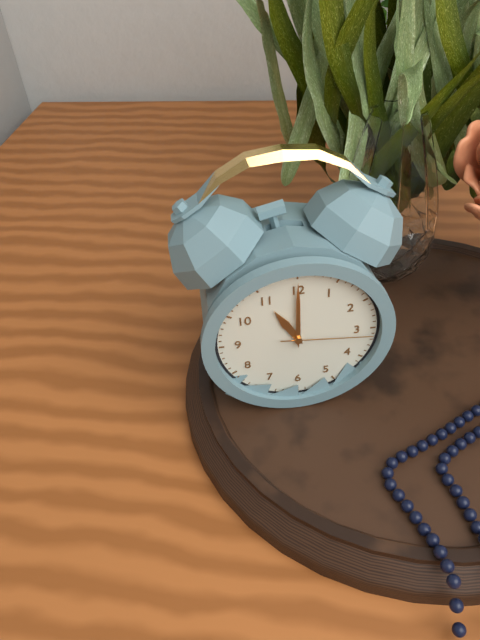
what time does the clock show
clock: 11:00:16
